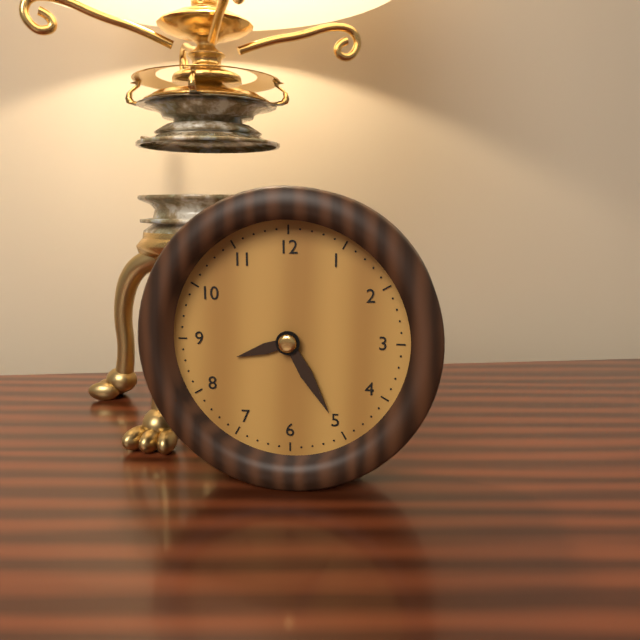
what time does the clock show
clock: 8:25
